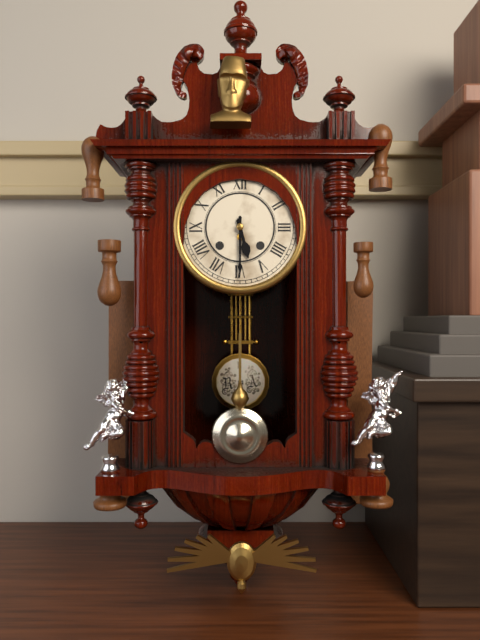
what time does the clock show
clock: 5:30
